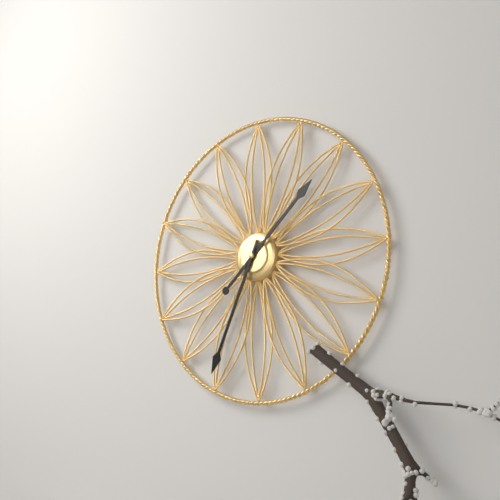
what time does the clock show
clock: 1:34
